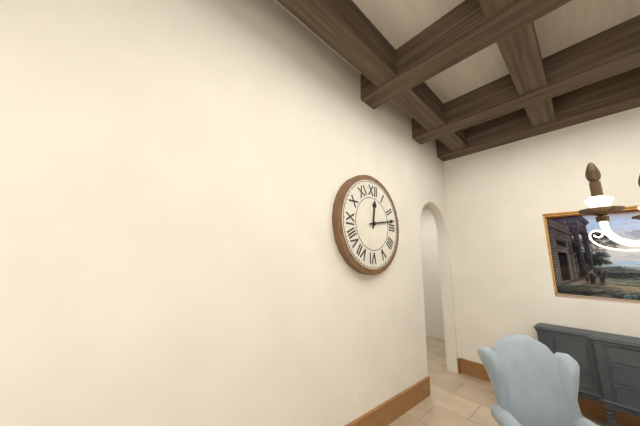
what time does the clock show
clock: 12:13
